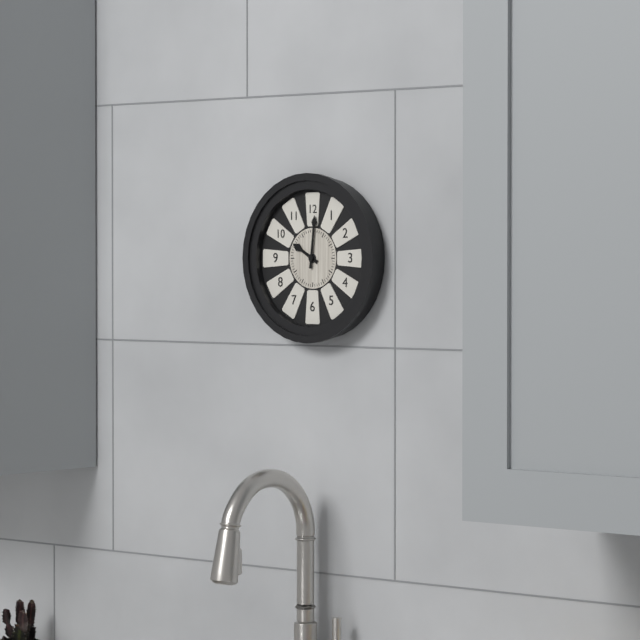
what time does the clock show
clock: 10:01
